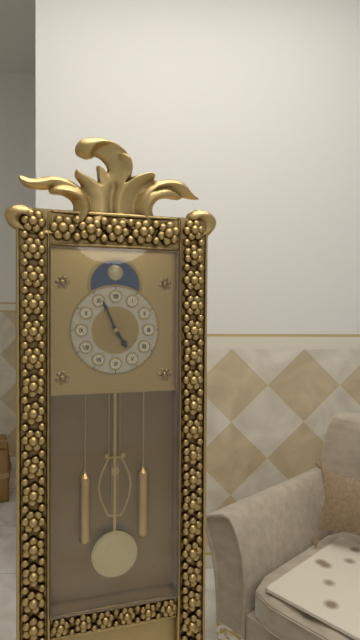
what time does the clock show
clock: 4:56
